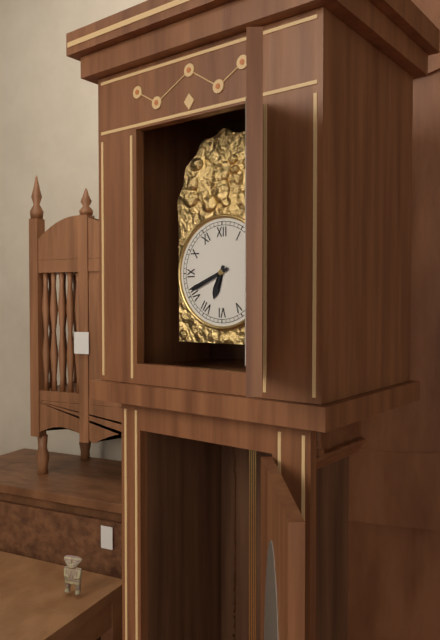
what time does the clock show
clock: 6:41
